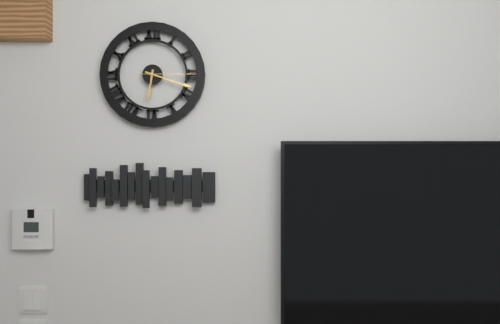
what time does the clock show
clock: 6:18:15
